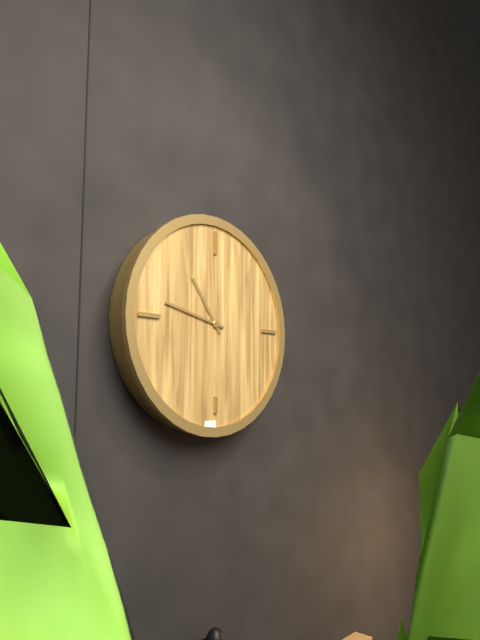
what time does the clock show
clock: 10:47
